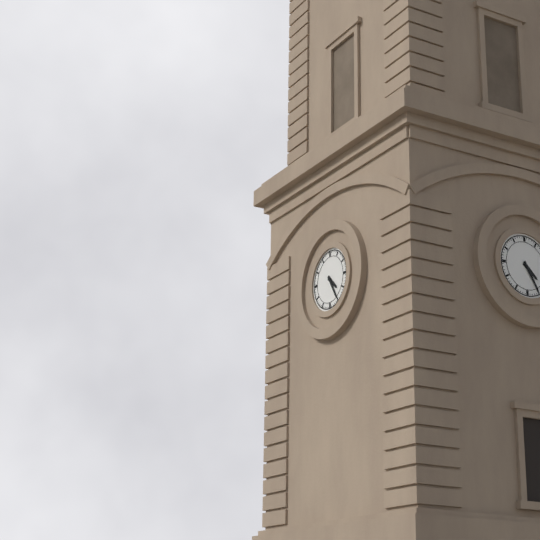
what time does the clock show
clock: 4:25
